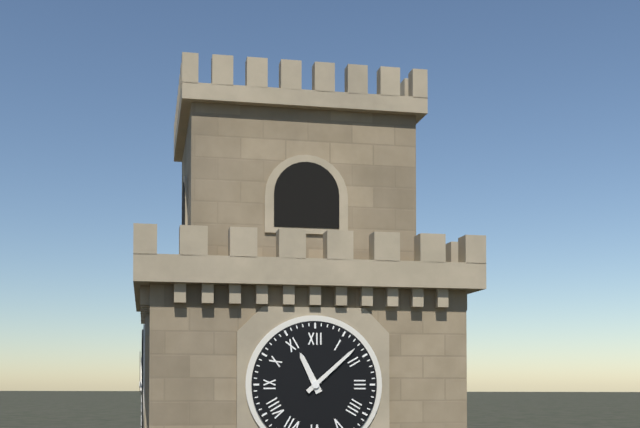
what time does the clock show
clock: 11:08
